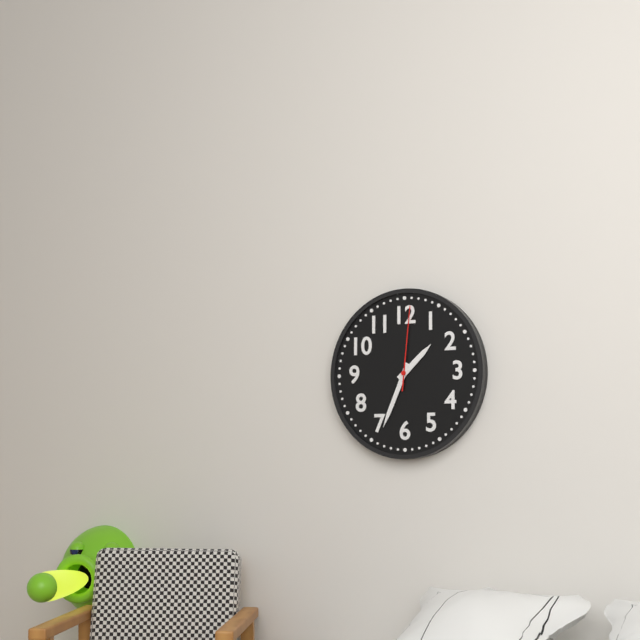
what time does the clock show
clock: 1:34:01
